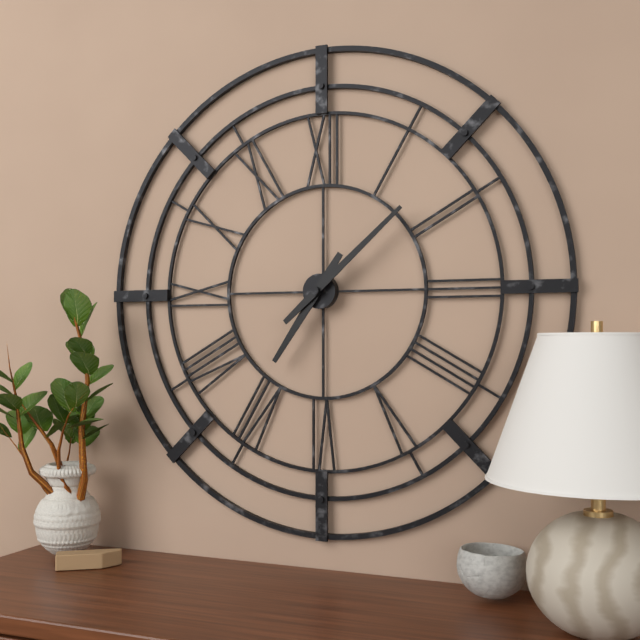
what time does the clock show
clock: 7:08
